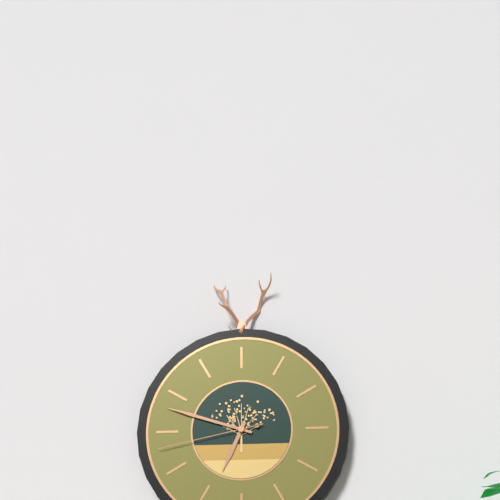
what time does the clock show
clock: 6:48:43
